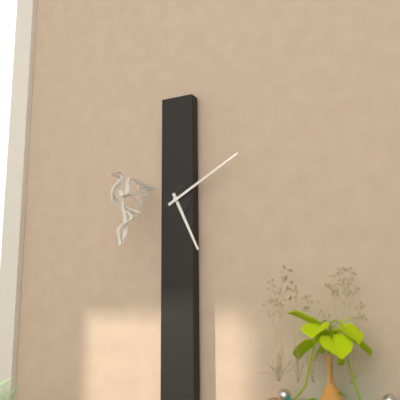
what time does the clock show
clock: 5:10
